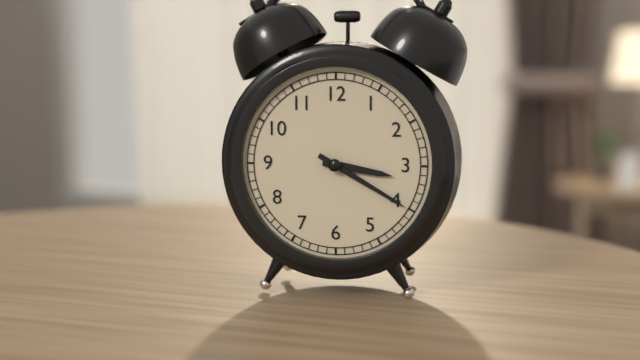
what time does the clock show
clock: 3:20
